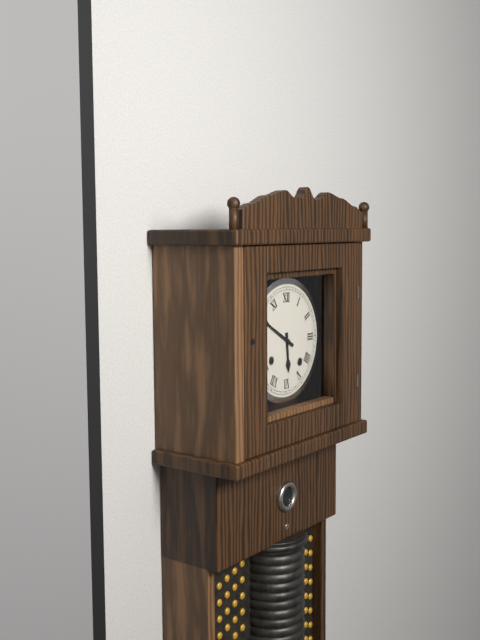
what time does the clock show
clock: 5:50
